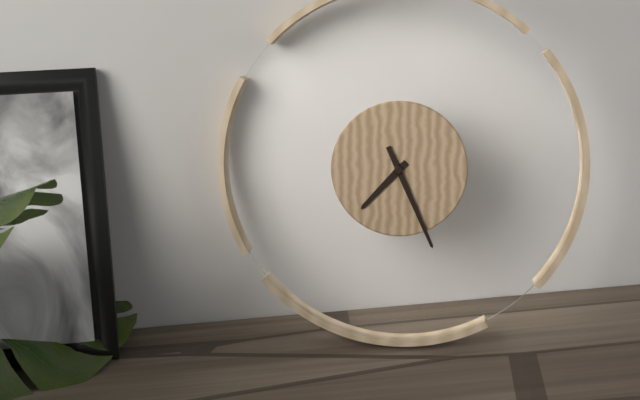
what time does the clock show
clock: 7:26
